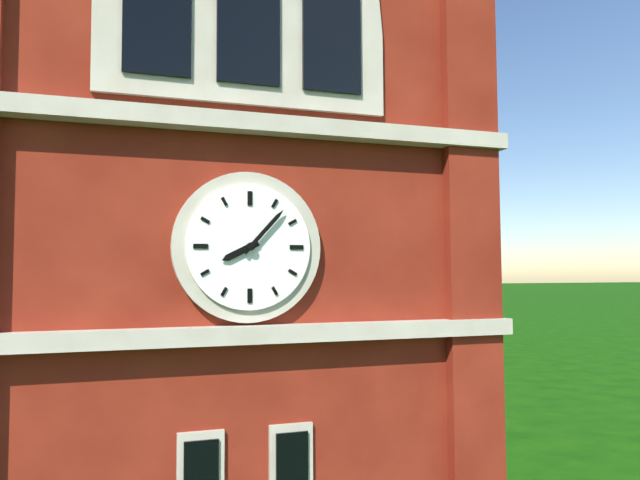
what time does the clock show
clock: 8:07
